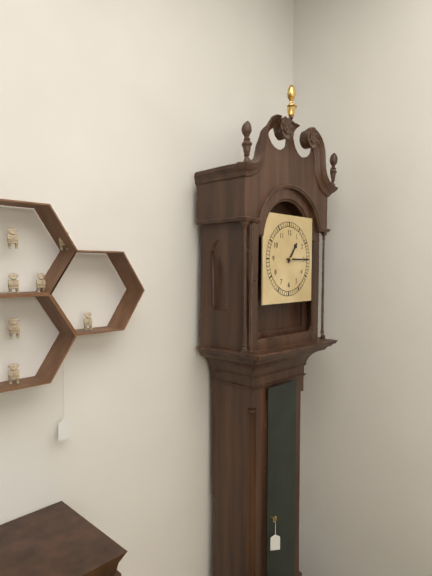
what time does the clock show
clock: 1:15
